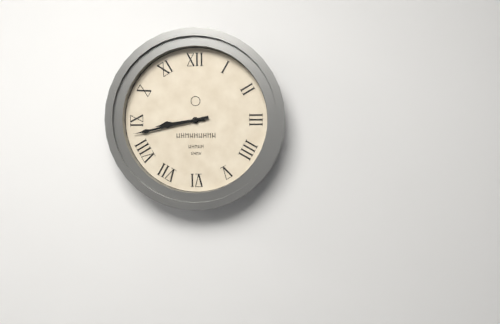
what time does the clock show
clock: 8:43
